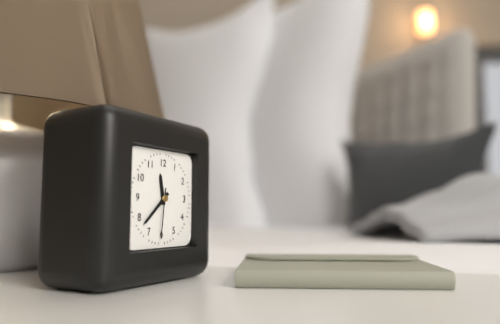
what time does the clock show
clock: 11:38:31
